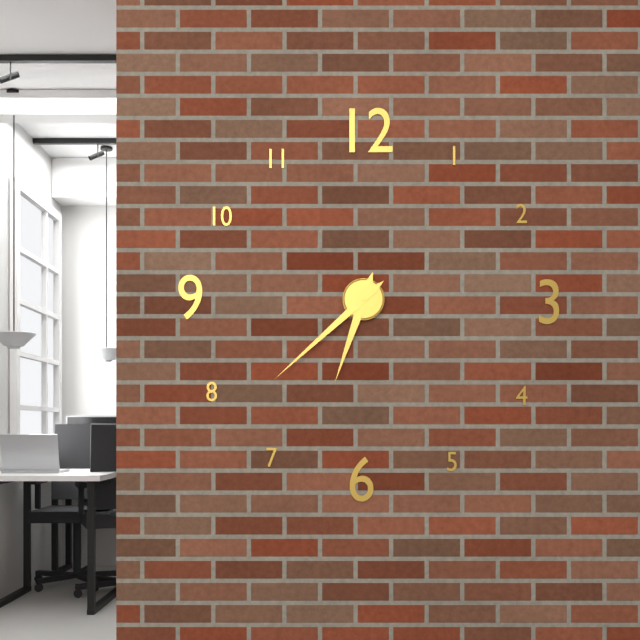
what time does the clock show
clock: 6:38
